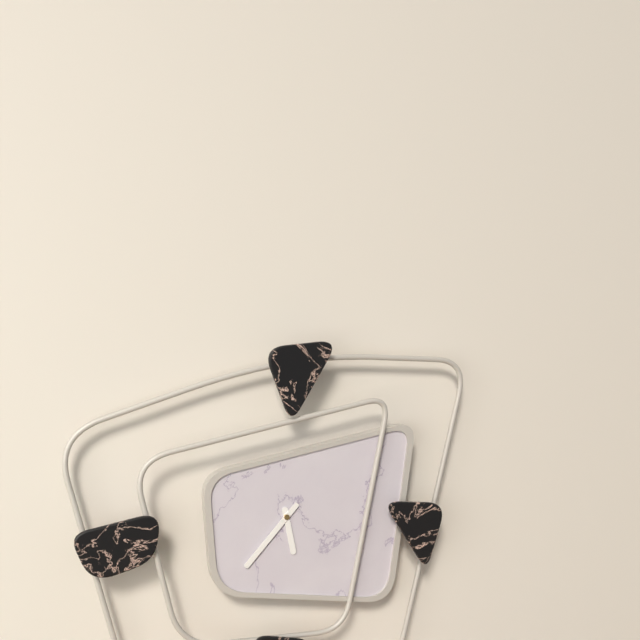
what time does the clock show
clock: 5:37
